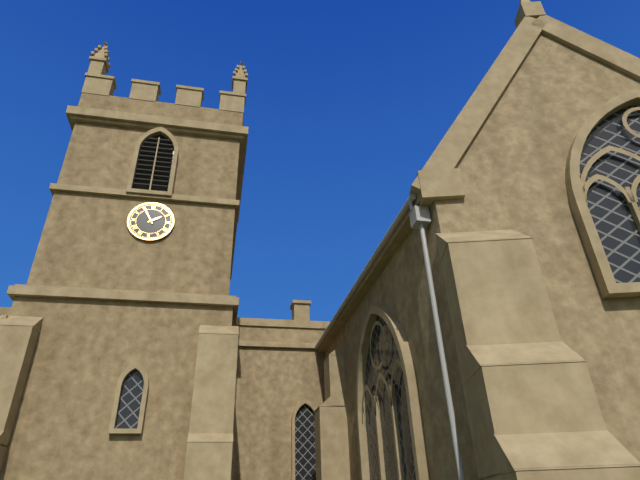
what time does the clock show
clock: 1:55
